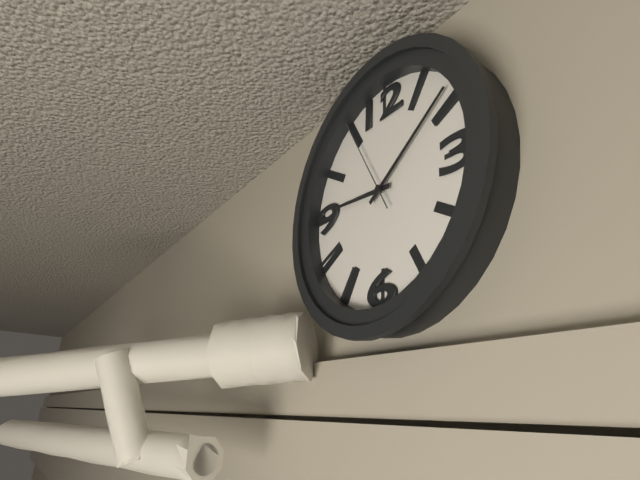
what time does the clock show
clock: 9:09:55
